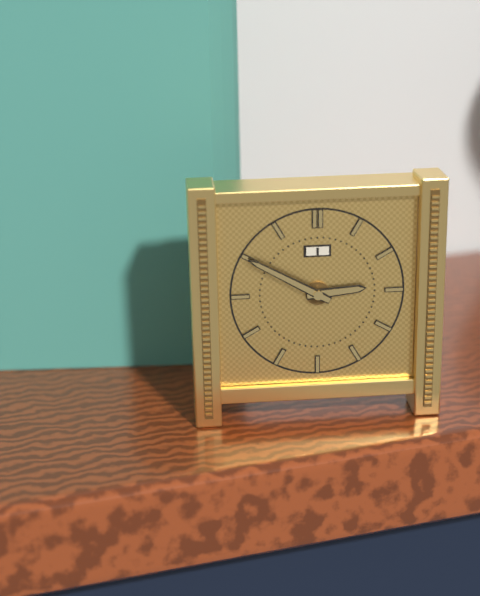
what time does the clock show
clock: 2:50
